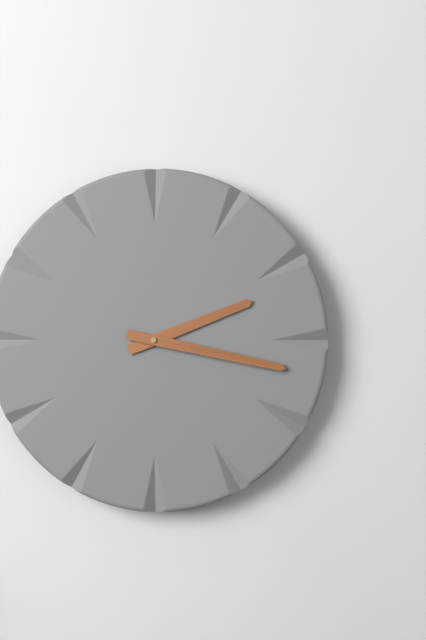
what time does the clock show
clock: 2:17
